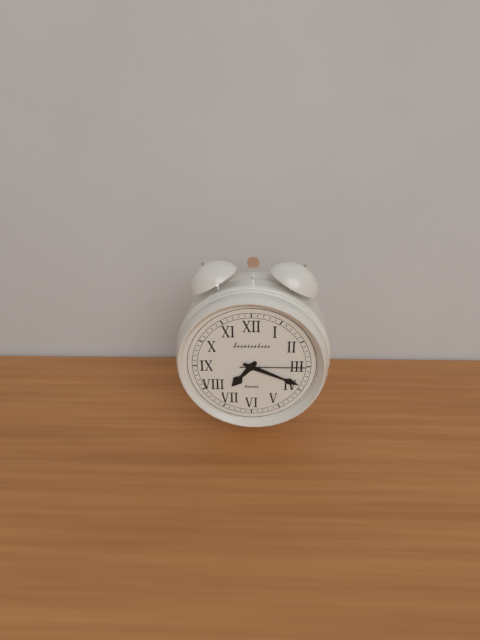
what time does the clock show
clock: 7:19:15
